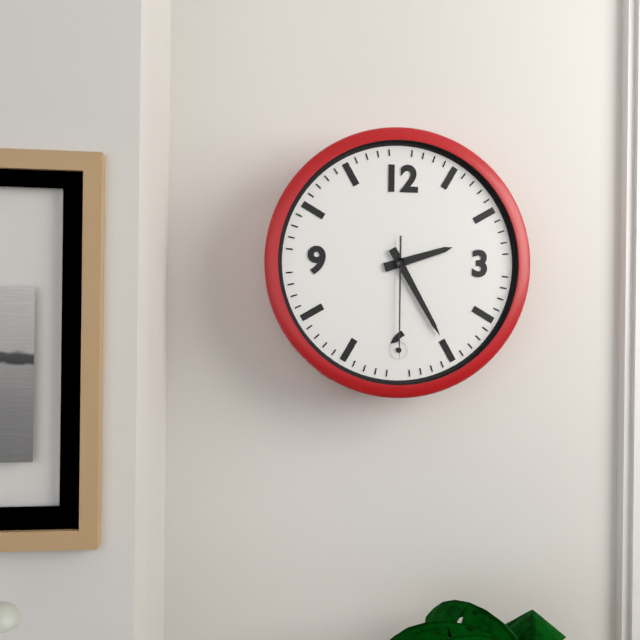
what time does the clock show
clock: 2:25:30
